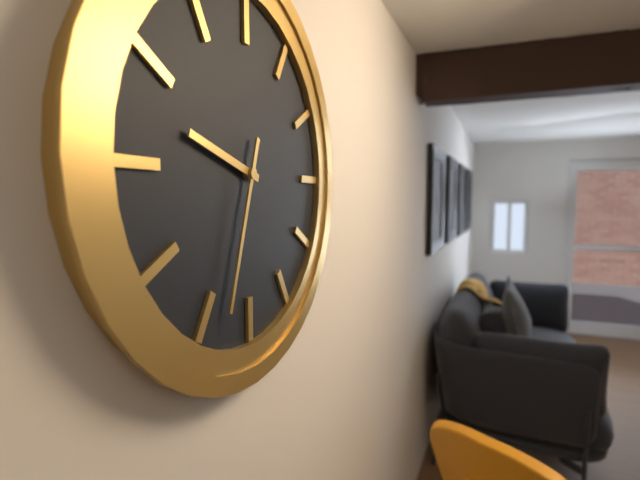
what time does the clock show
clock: 9:33
